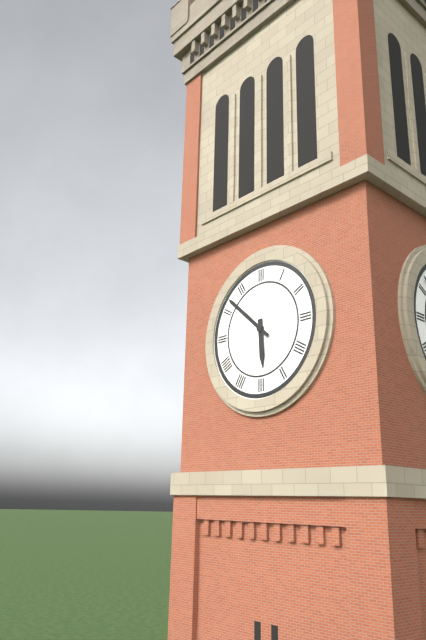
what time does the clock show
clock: 5:52
